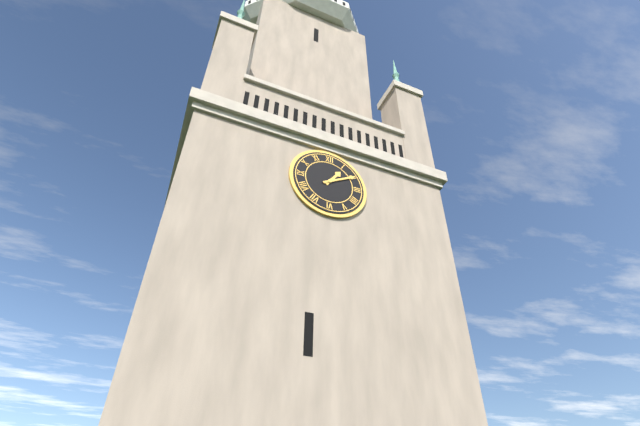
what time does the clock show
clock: 1:10
